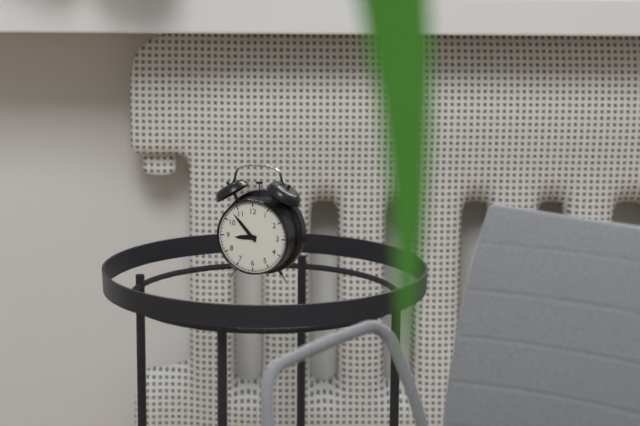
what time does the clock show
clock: 8:53
